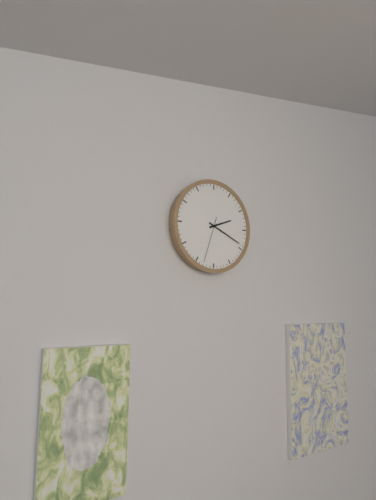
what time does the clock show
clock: 2:19
